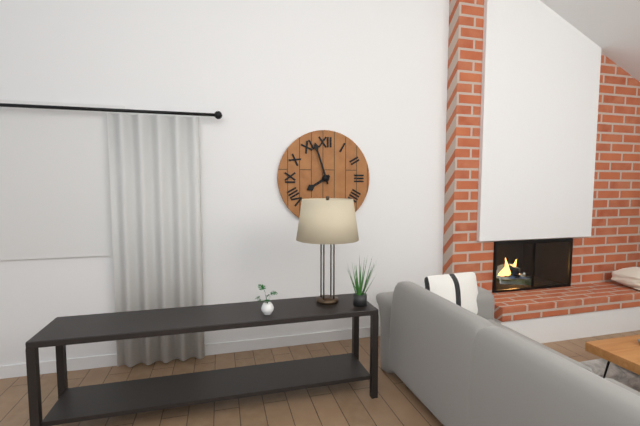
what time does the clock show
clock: 7:57
